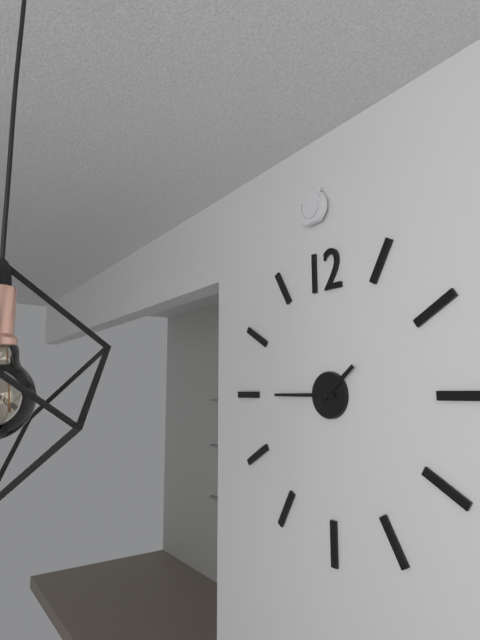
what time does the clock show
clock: 1:45
